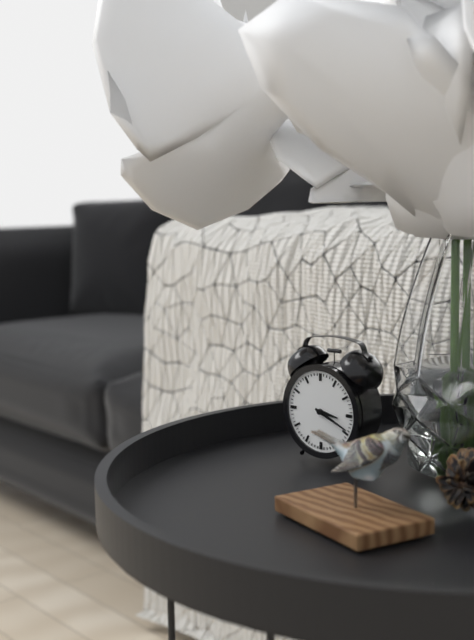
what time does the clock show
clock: 3:19
